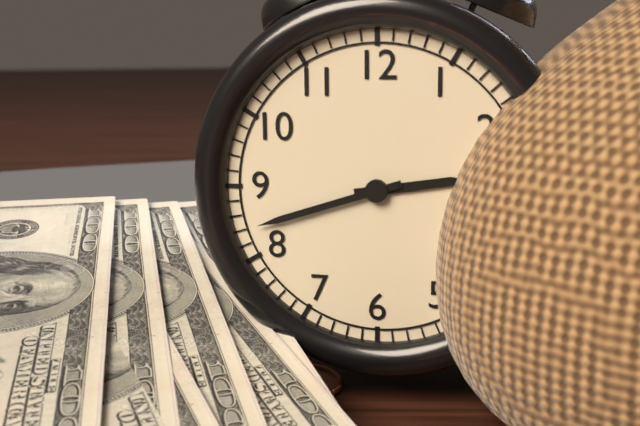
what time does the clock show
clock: 2:42
